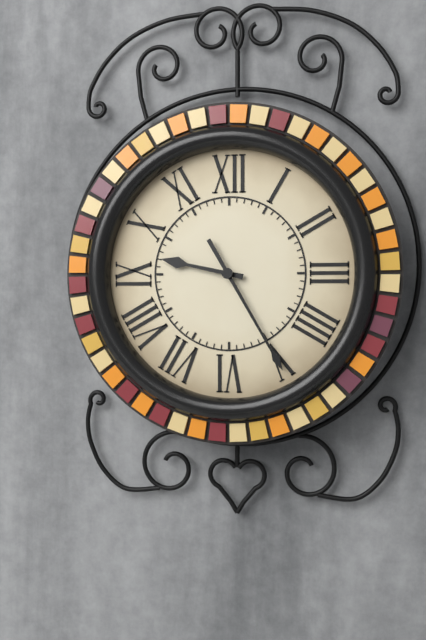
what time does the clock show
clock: 9:25
